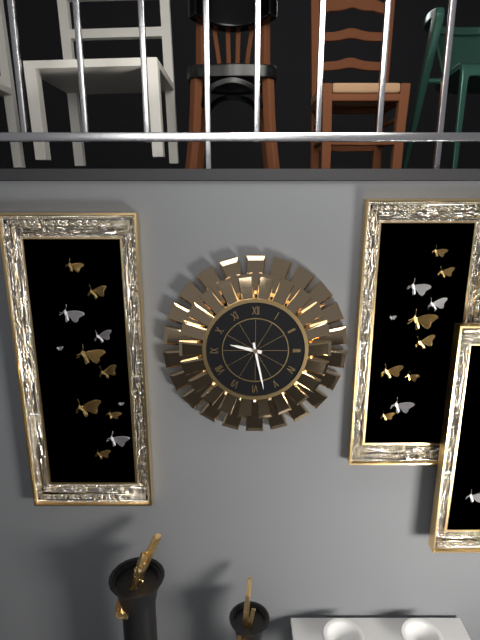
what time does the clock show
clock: 9:28
